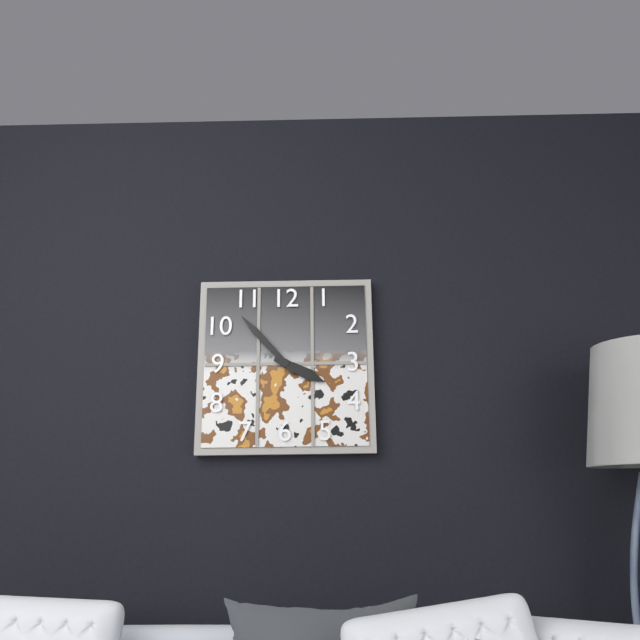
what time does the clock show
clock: 3:53
